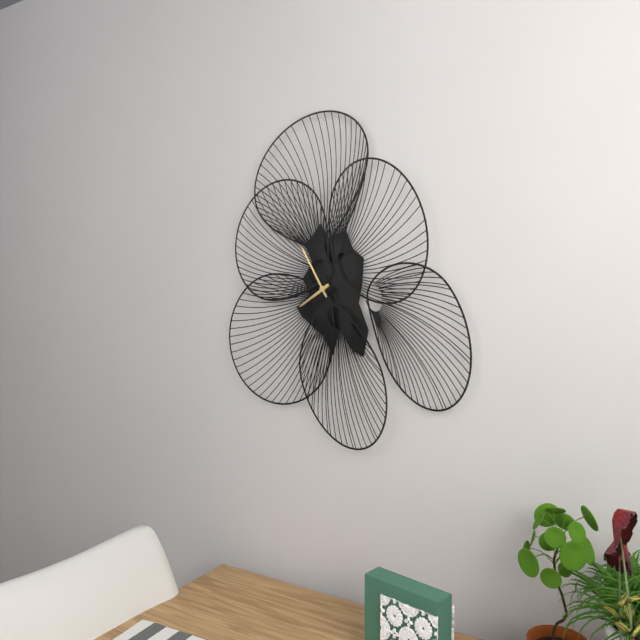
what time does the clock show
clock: 7:55
